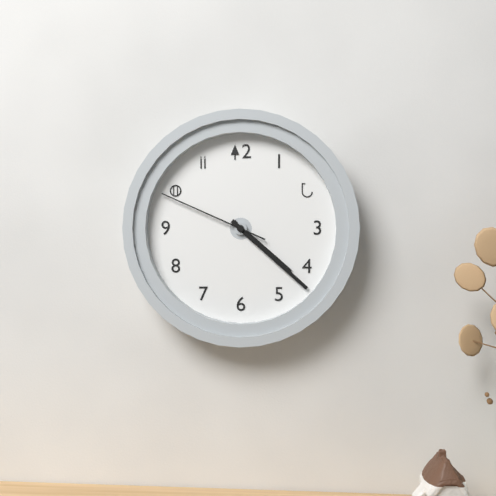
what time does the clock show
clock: 4:22:49
